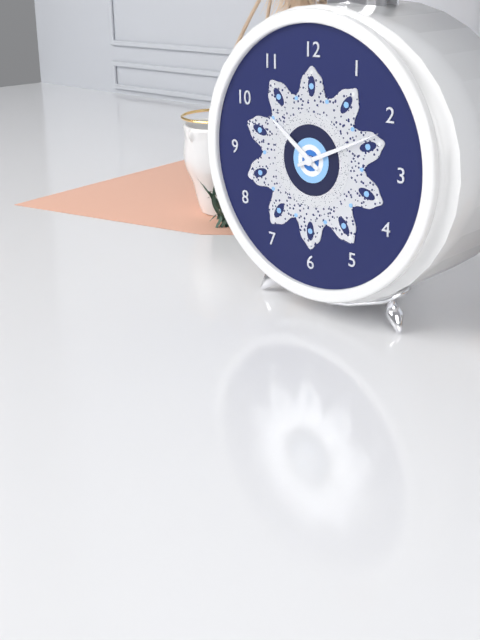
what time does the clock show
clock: 10:11
